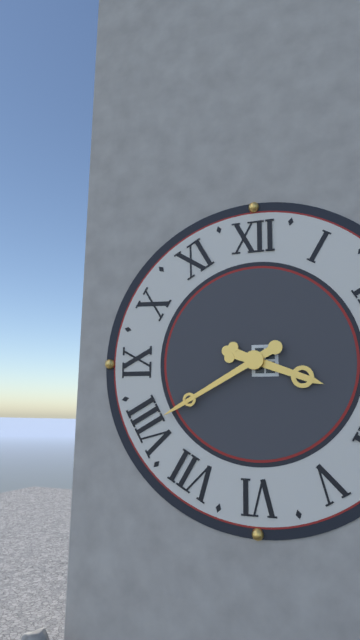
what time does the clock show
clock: 3:40
